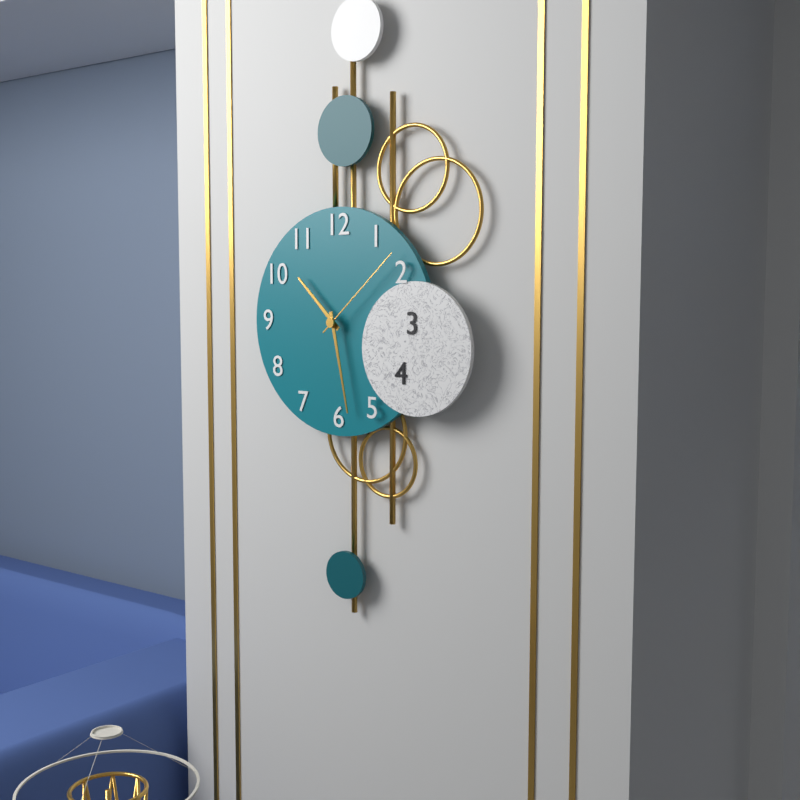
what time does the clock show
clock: 10:28:08
